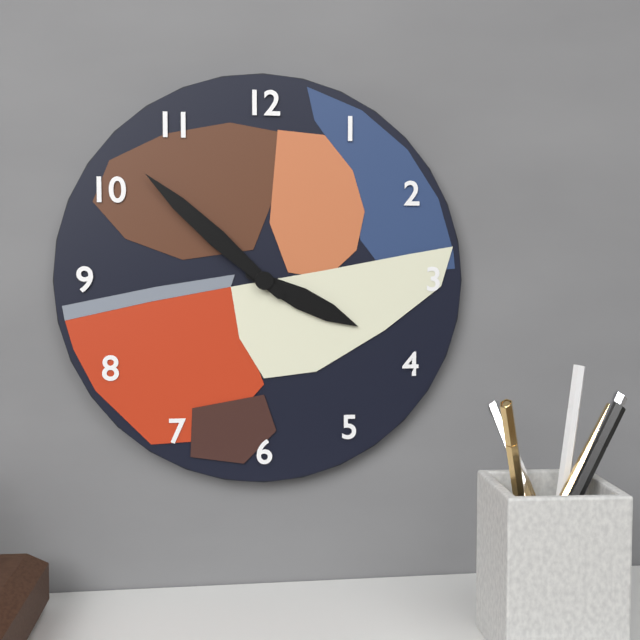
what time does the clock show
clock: 3:52
